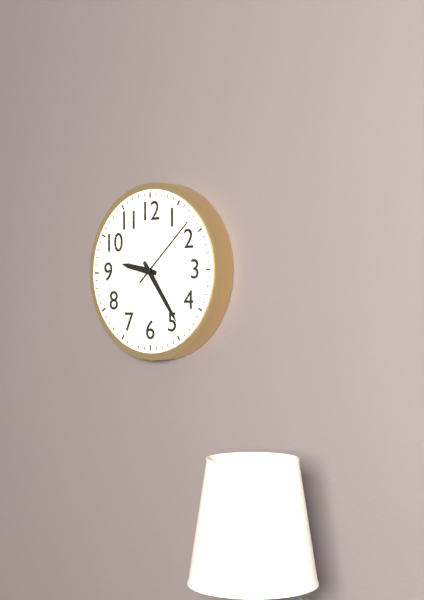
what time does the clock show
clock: 9:24:08
